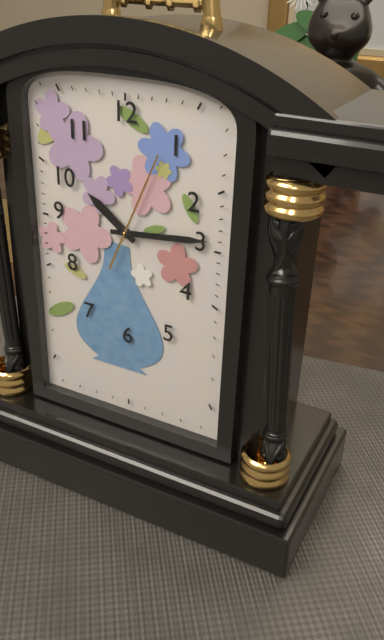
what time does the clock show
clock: 10:14:04
